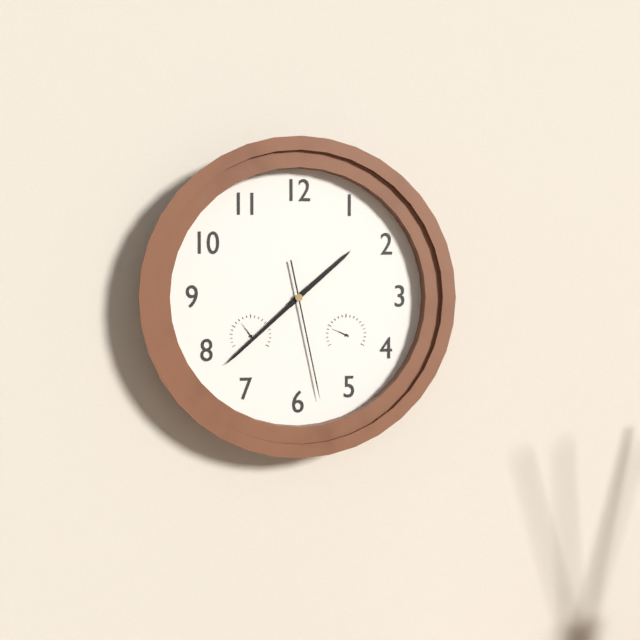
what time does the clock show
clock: 1:38:28
